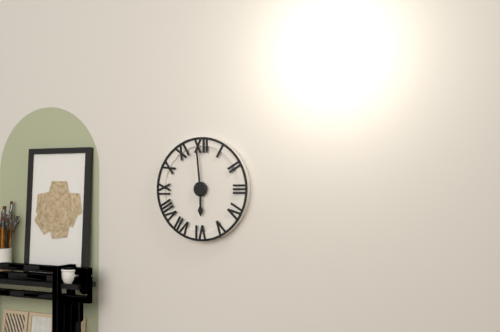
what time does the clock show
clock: 5:59
